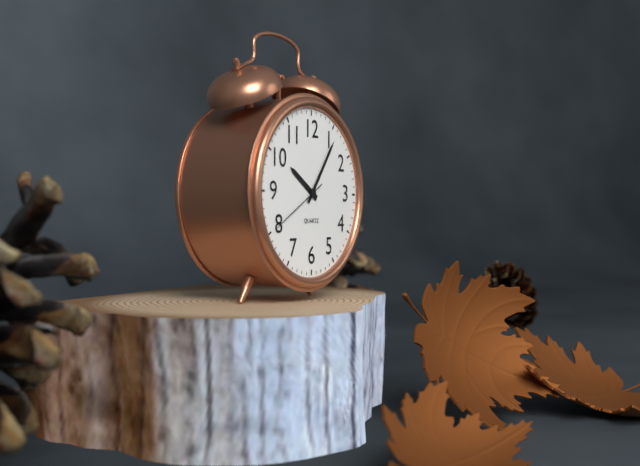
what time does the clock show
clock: 10:06:40
